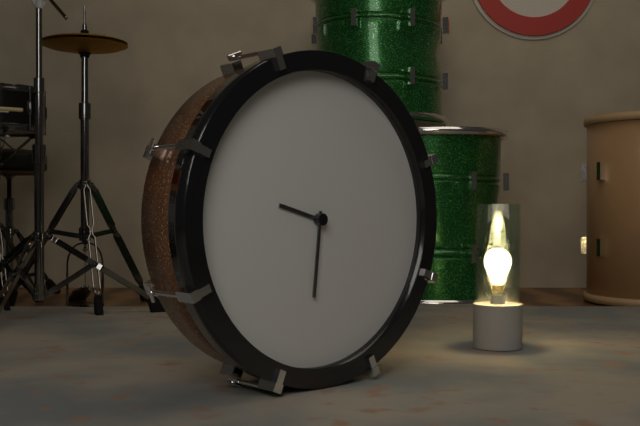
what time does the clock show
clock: 9:31
